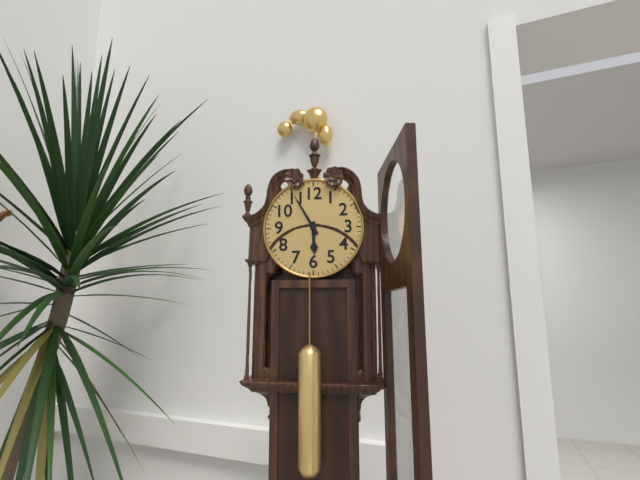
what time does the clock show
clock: 5:55
